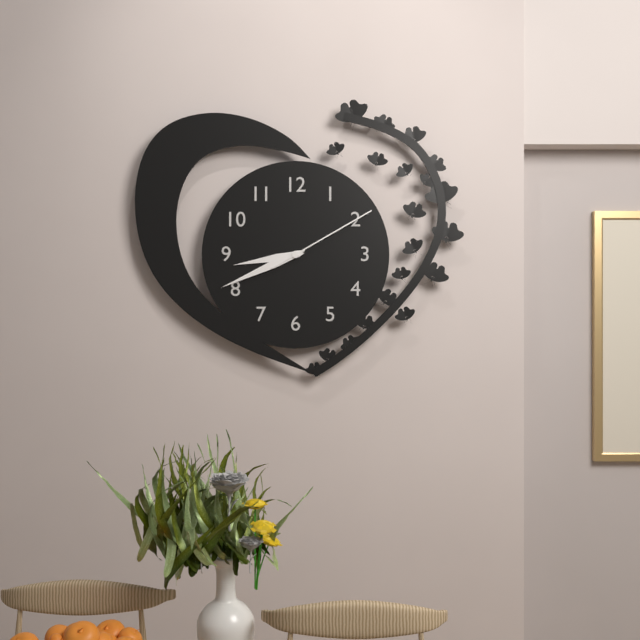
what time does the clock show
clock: 8:41:10
